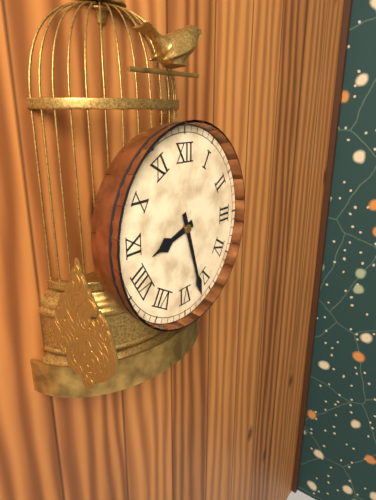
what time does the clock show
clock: 8:27
